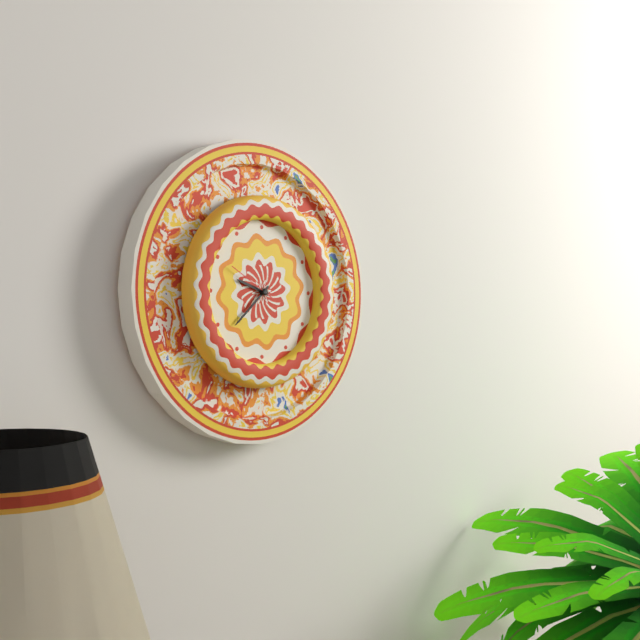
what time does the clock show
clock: 9:38:50
